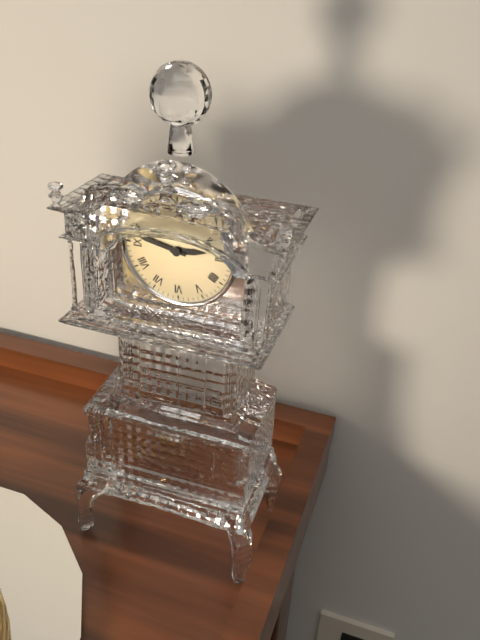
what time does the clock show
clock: 2:47
